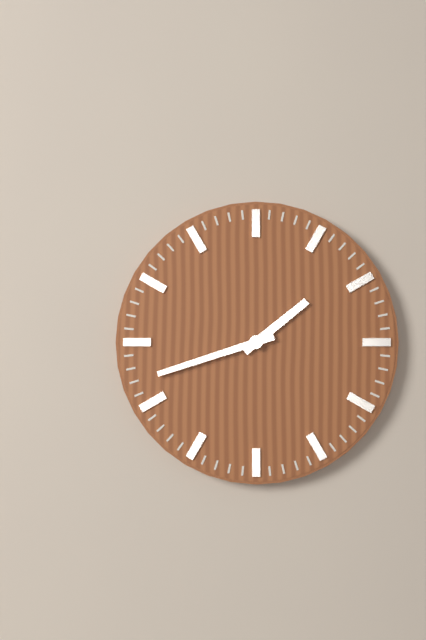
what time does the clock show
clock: 1:42
